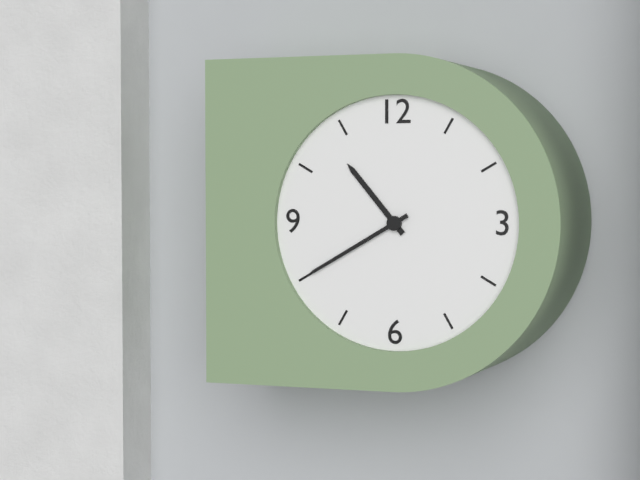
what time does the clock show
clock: 10:40
